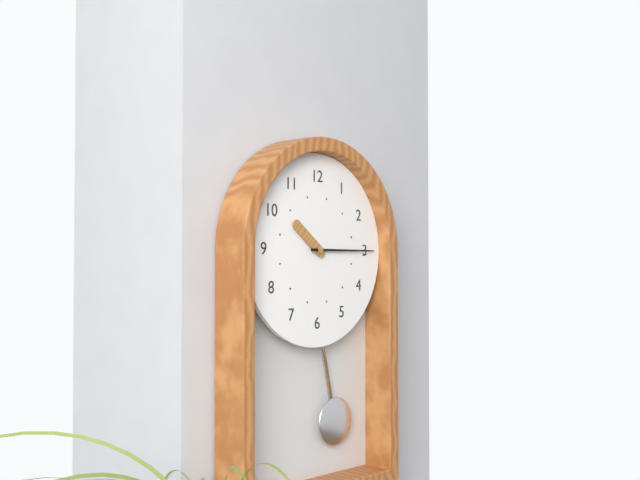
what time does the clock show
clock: 10:15
